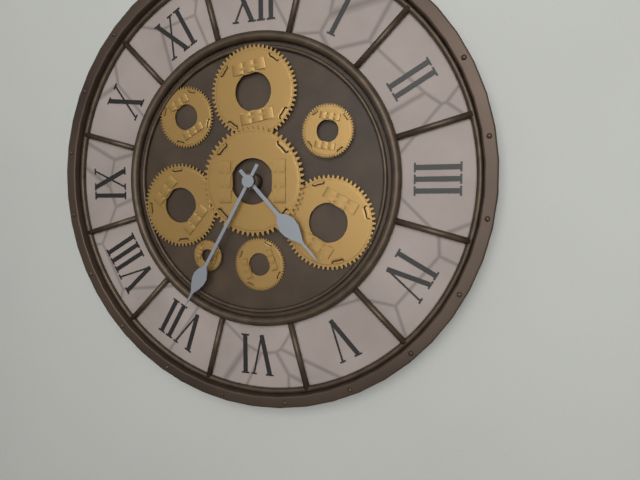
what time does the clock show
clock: 4:35
